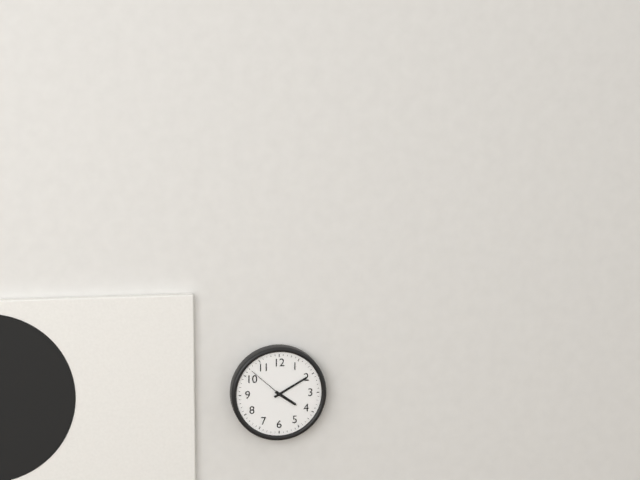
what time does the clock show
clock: 4:10
